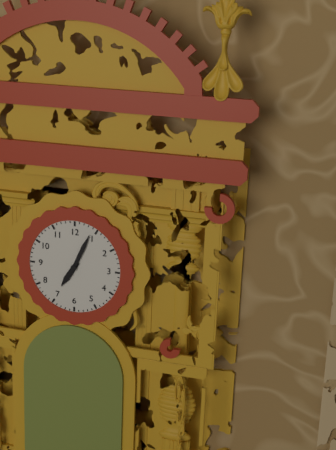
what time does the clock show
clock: 7:04
